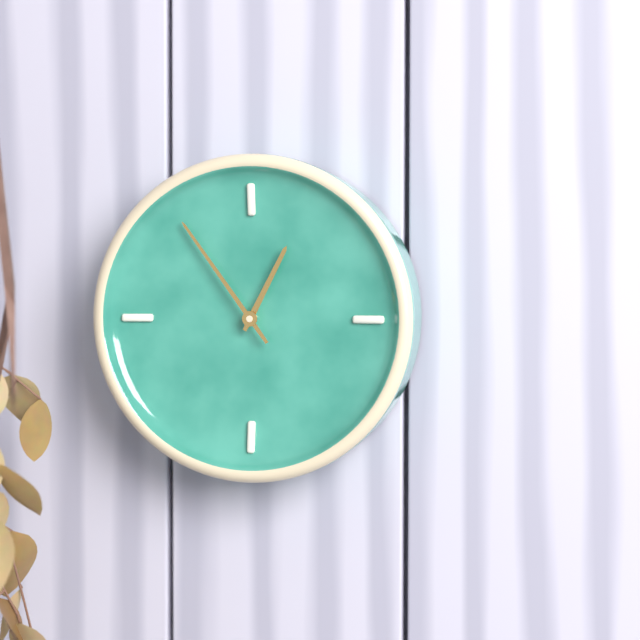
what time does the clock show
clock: 12:54
